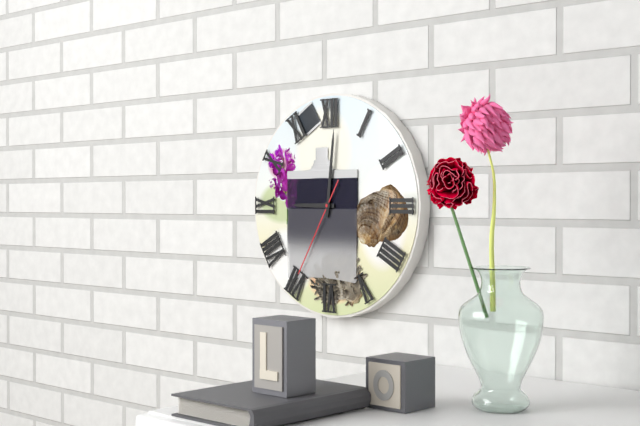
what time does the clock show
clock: 9:01:35
